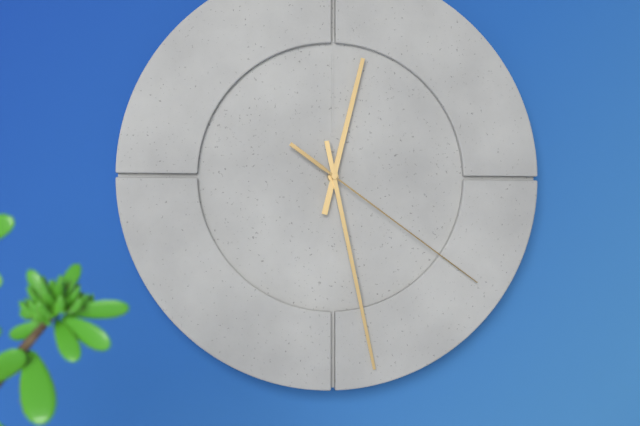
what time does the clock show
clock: 12:28:21
